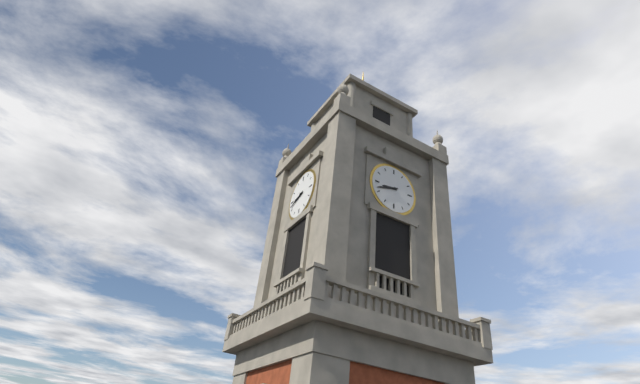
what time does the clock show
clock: 8:42
